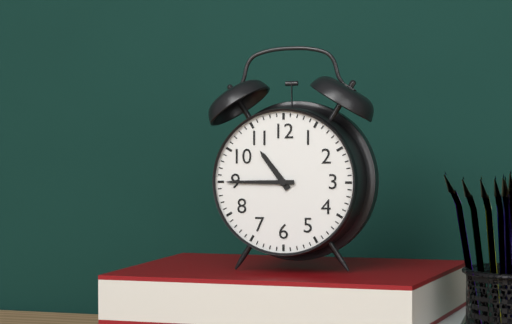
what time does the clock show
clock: 10:45
